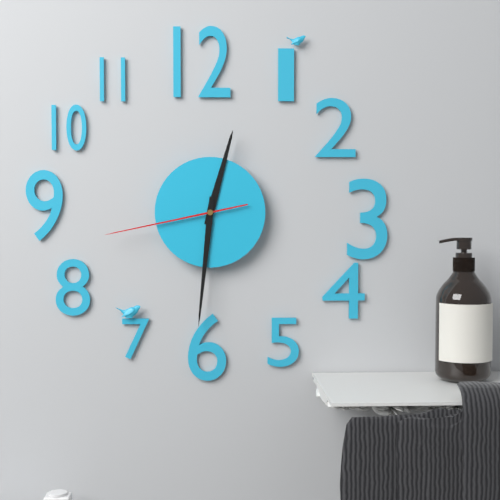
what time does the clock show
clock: 12:31:43
